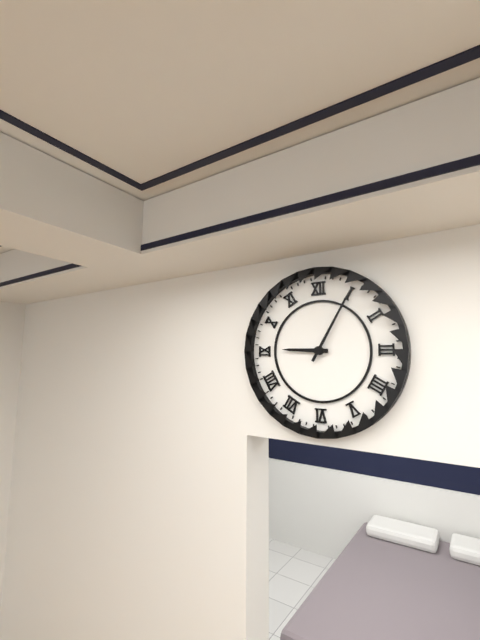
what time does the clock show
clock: 9:05
